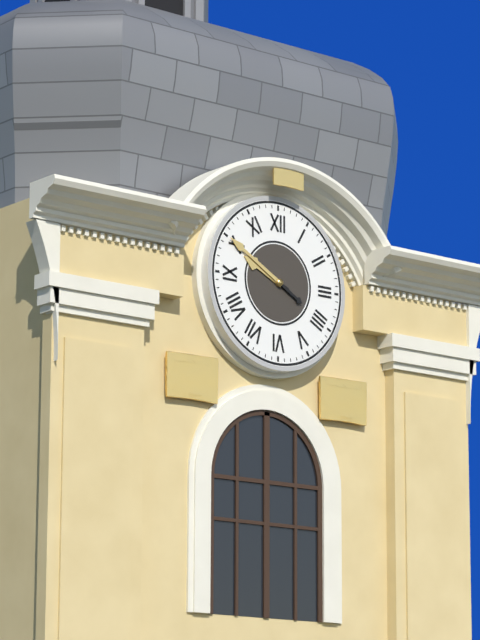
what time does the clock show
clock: 9:50
